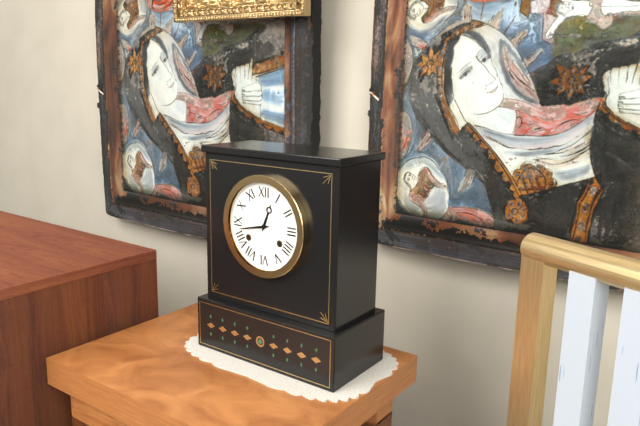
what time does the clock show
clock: 12:43
